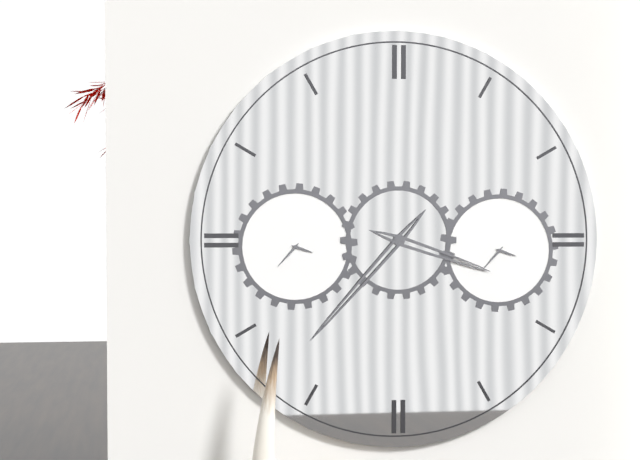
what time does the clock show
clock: 3:37
